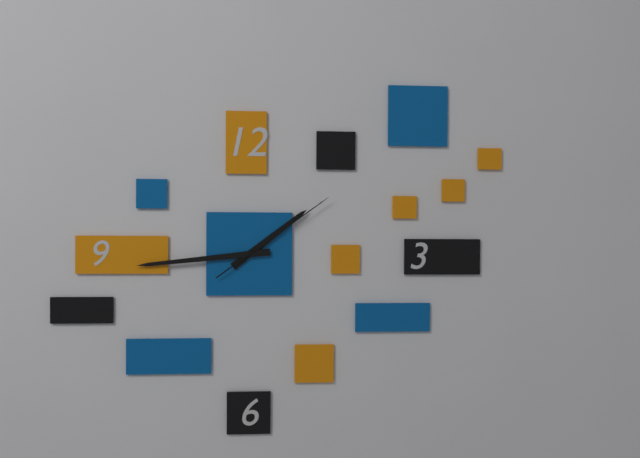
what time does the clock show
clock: 1:44:09
